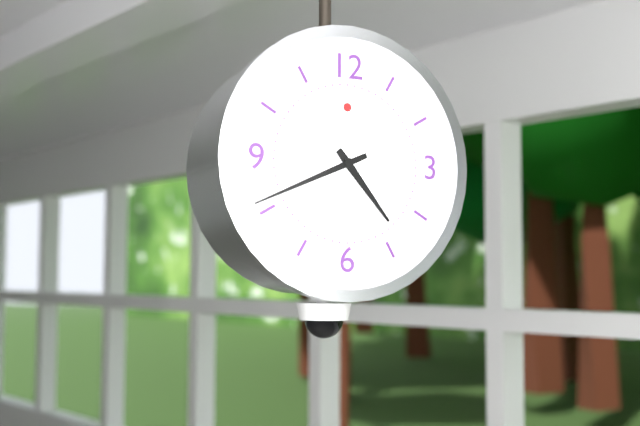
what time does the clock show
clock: 4:41
